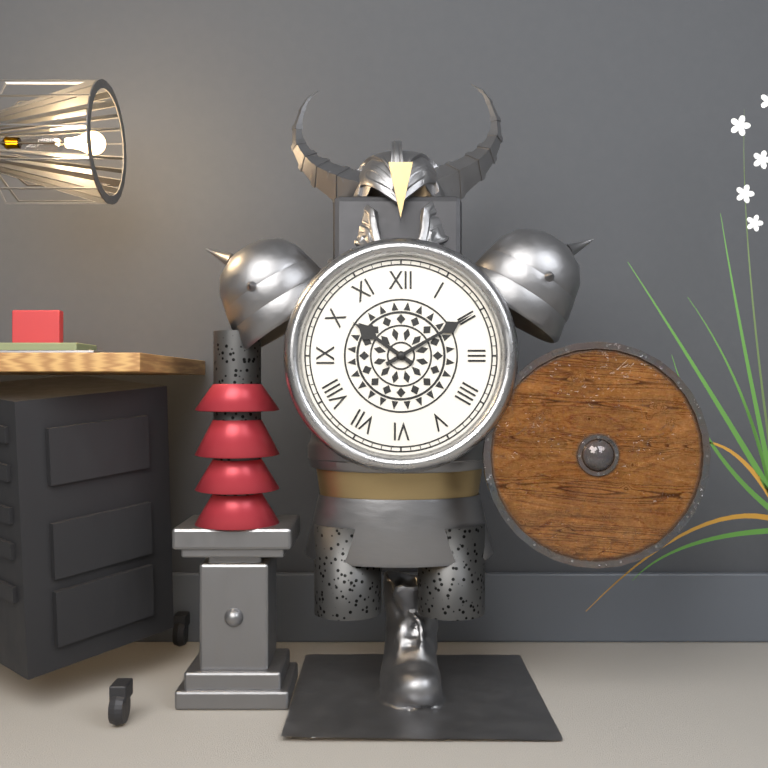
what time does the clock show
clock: 10:10
